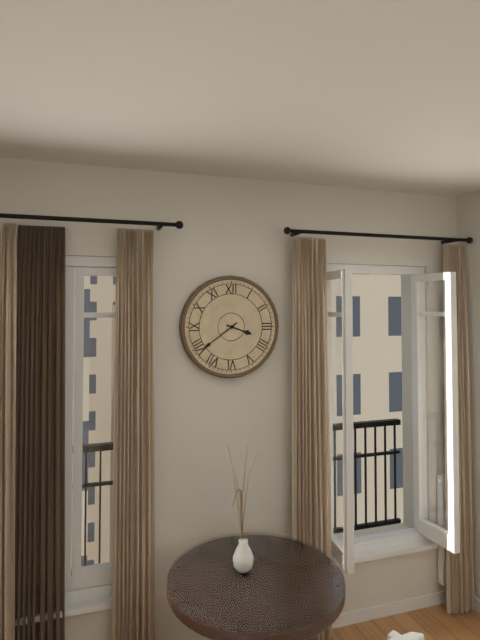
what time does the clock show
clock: 3:39
